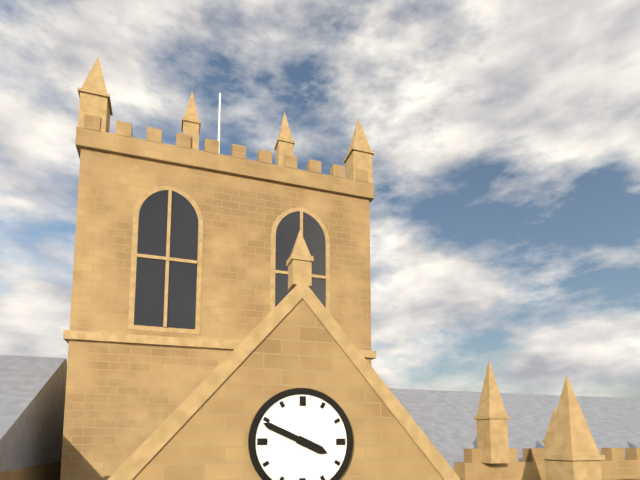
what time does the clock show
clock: 3:49
